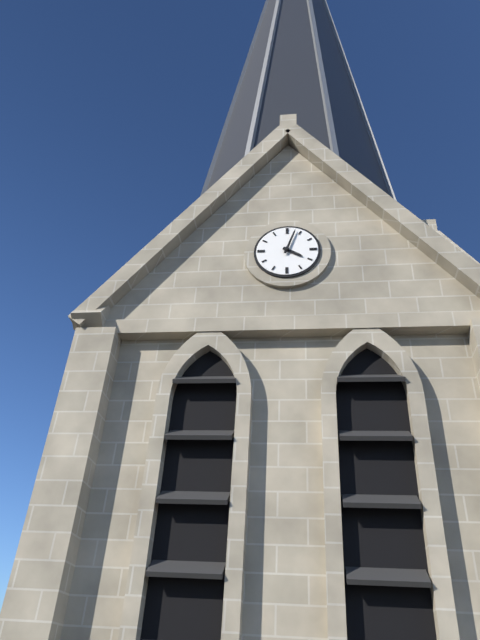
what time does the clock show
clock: 4:03
